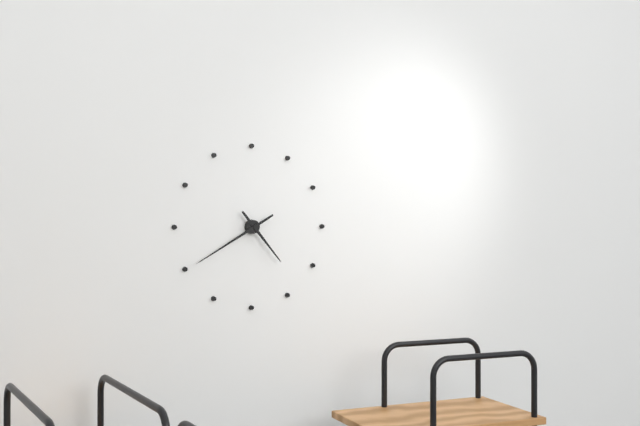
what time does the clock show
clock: 4:40
